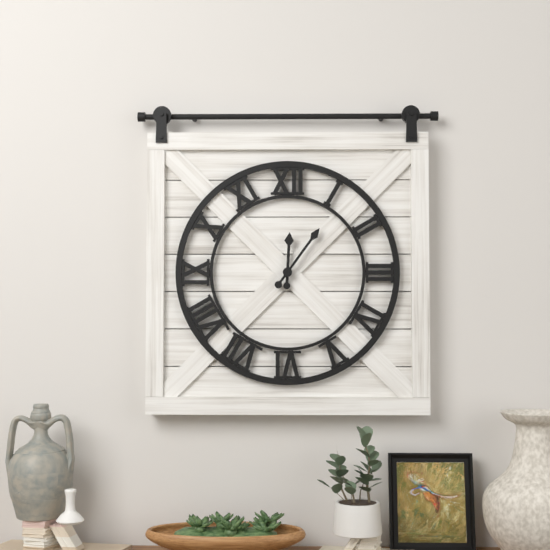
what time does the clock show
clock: 12:06
